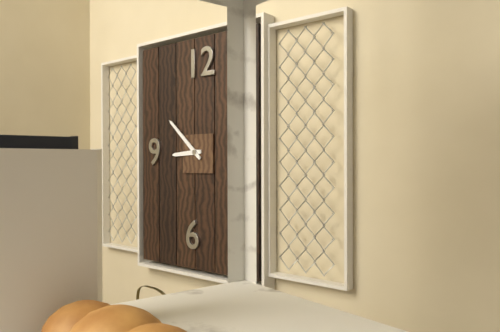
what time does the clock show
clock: 8:52
